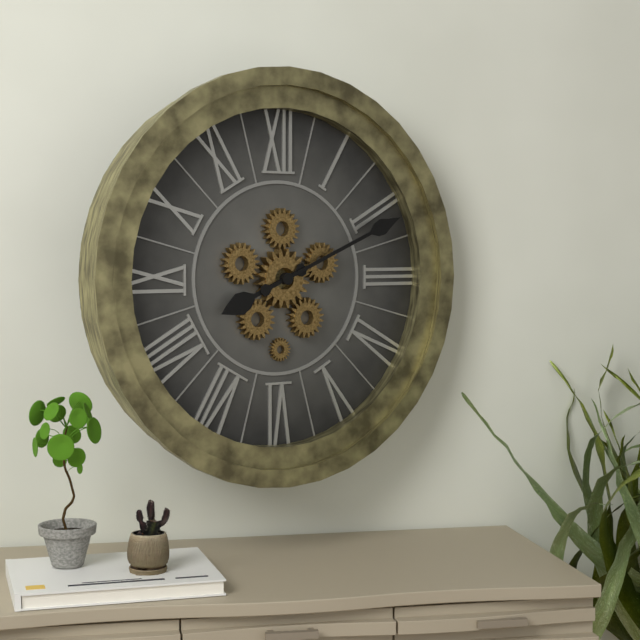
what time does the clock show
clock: 8:11
